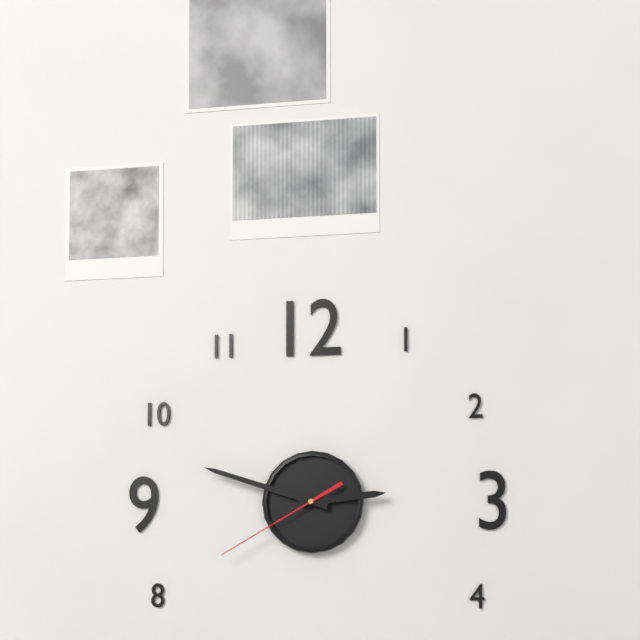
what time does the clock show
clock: 2:48:40
